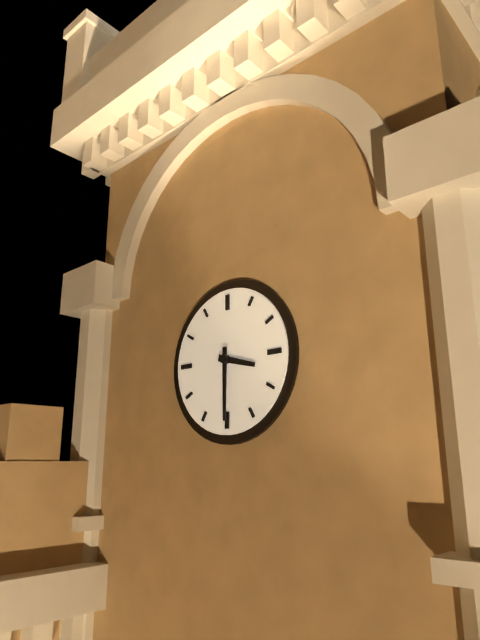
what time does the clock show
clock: 3:30
